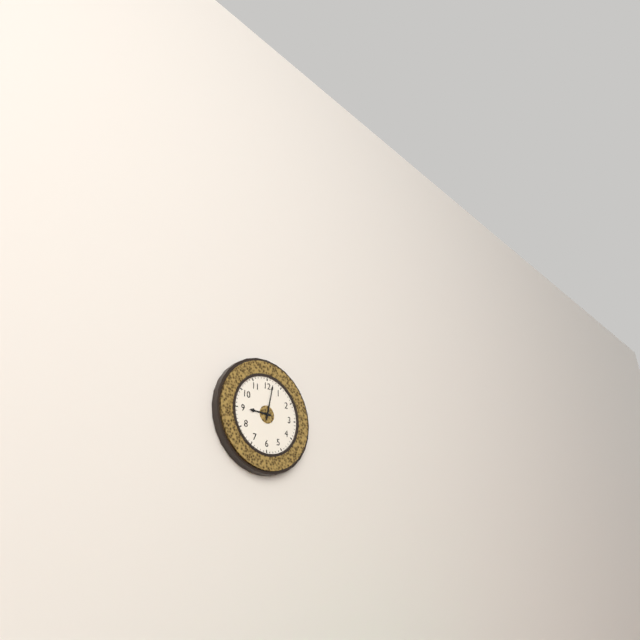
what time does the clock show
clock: 9:02
